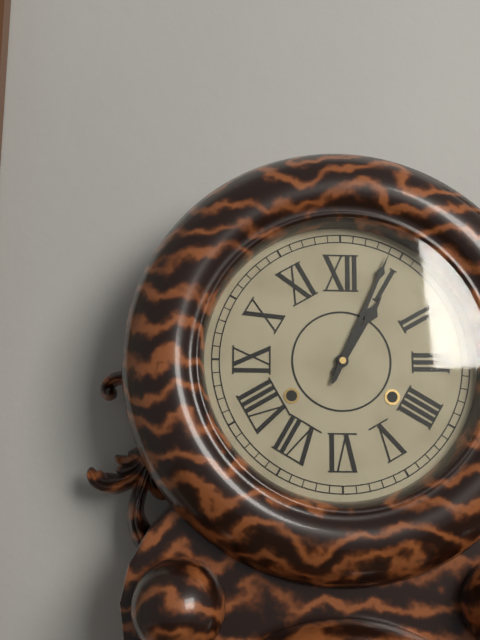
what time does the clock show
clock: 1:04
